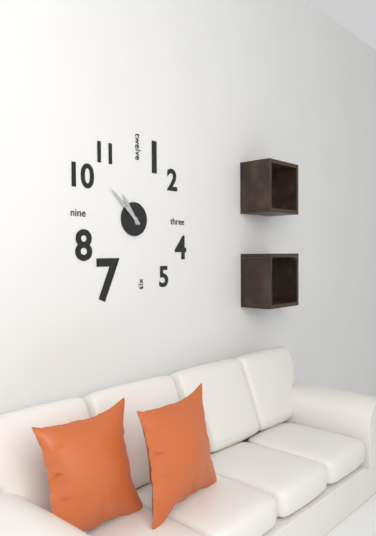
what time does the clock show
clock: 10:52
